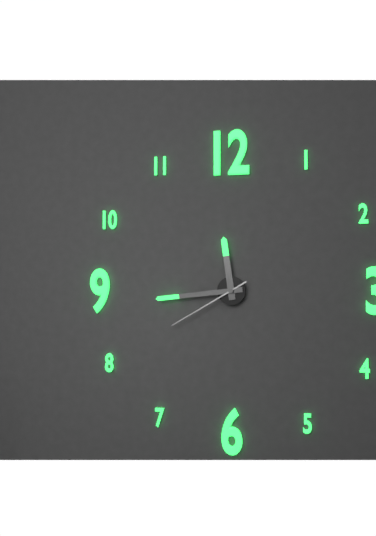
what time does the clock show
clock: 11:44:40
